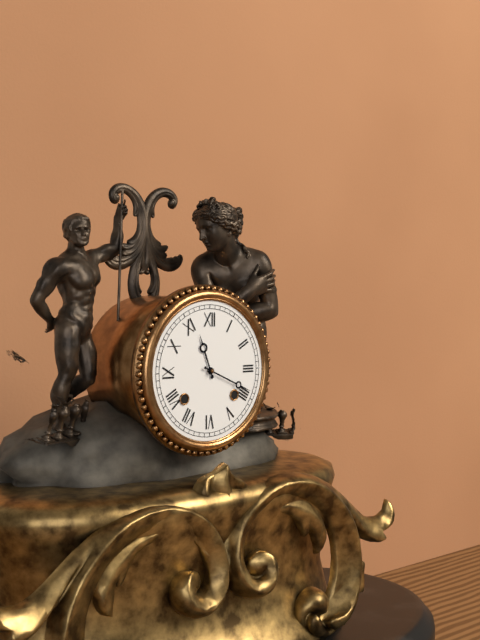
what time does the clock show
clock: 11:19
